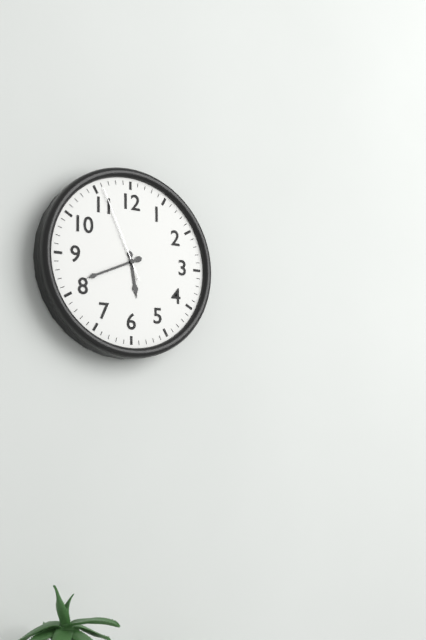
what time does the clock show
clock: 5:41:56
